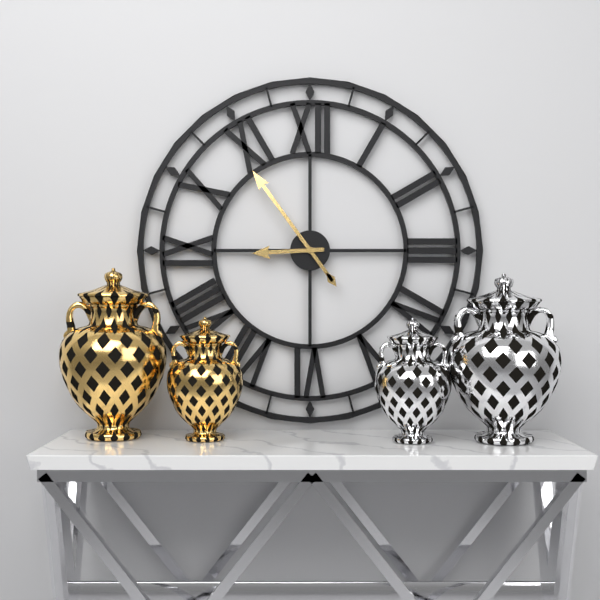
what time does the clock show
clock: 8:54
